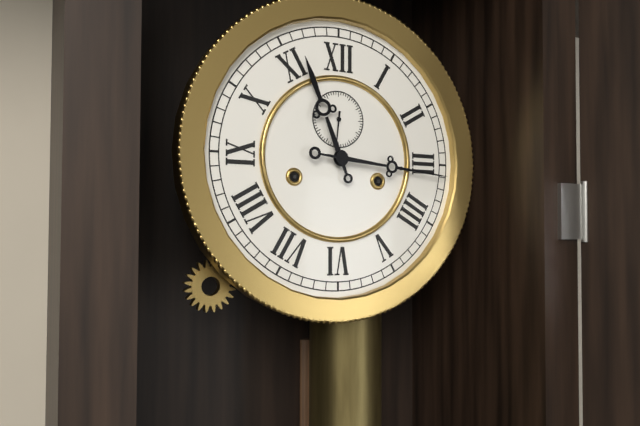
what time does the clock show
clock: 11:16
